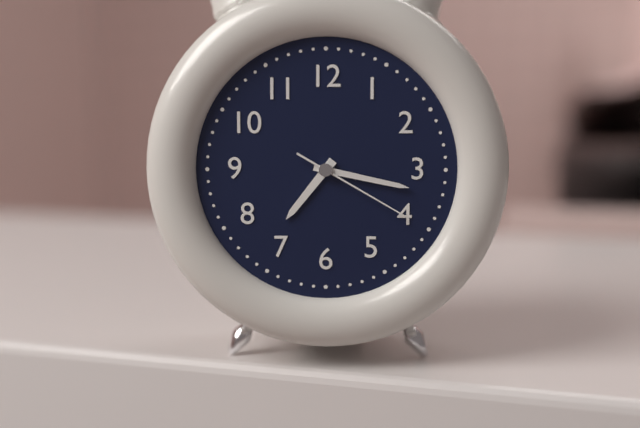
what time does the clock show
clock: 7:17:20
